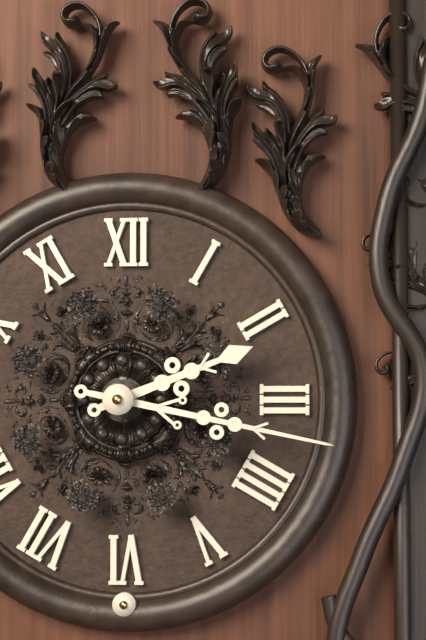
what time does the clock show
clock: 2:17
